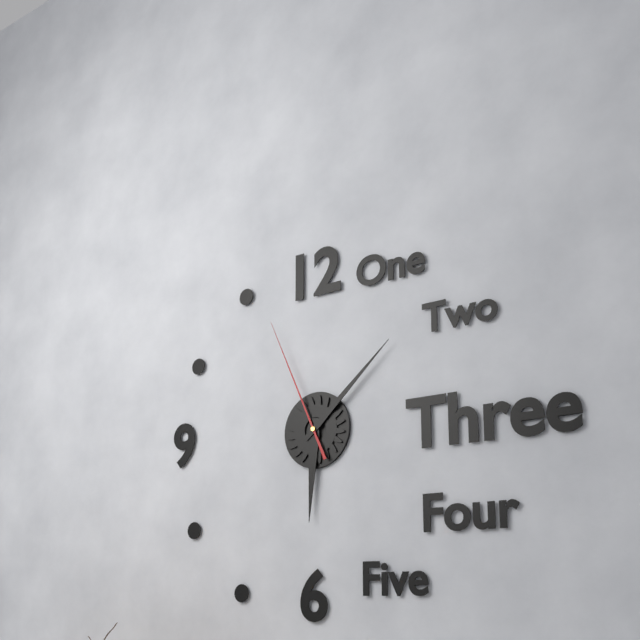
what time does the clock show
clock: 6:08:56
